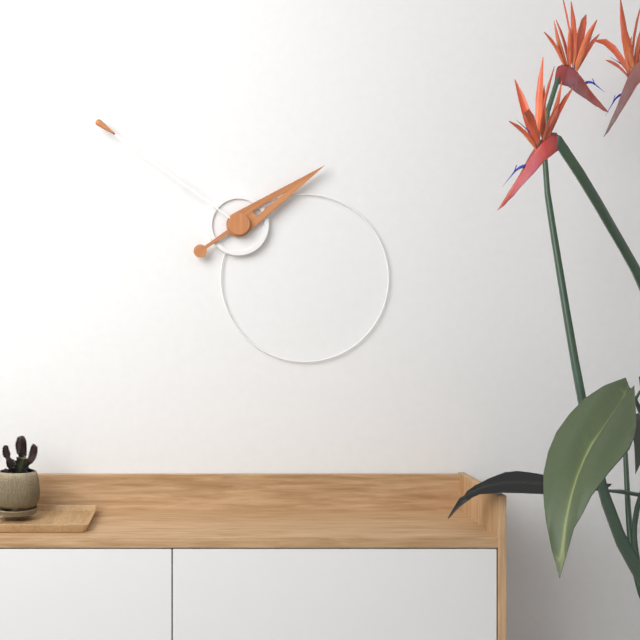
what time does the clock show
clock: 1:51
